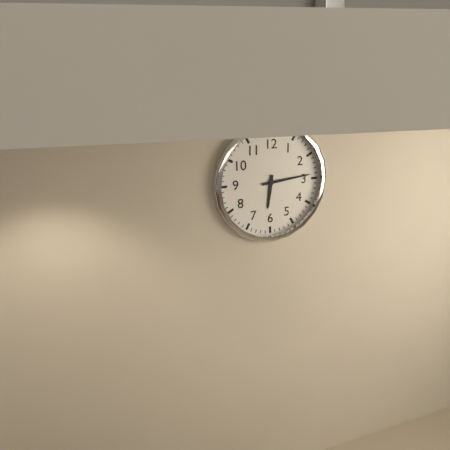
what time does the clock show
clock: 6:14
